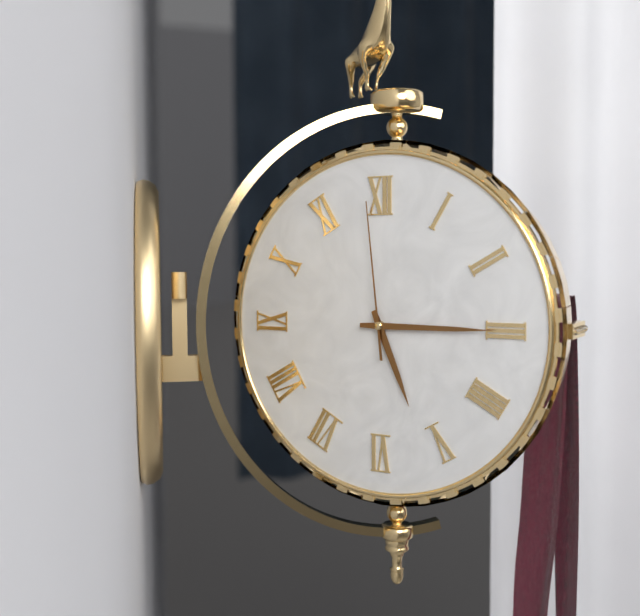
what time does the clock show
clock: 5:15:59
